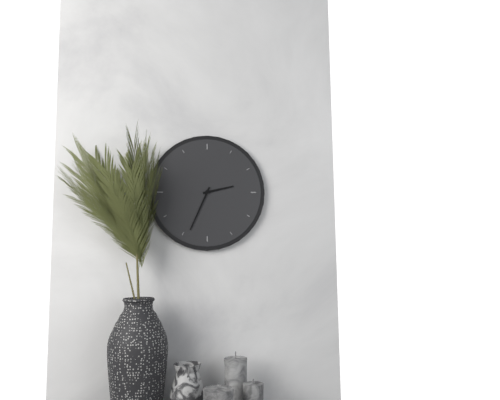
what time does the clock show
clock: 2:34
